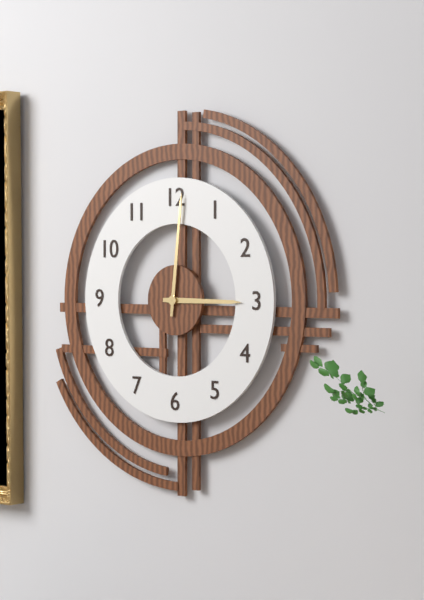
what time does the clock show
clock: 3:01
